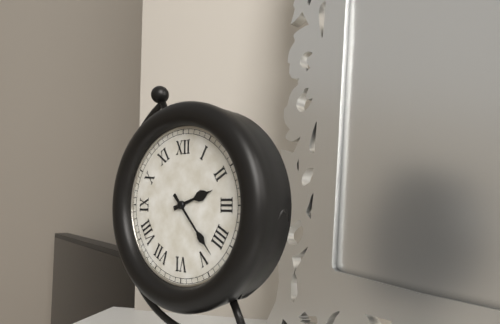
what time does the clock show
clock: 2:23
